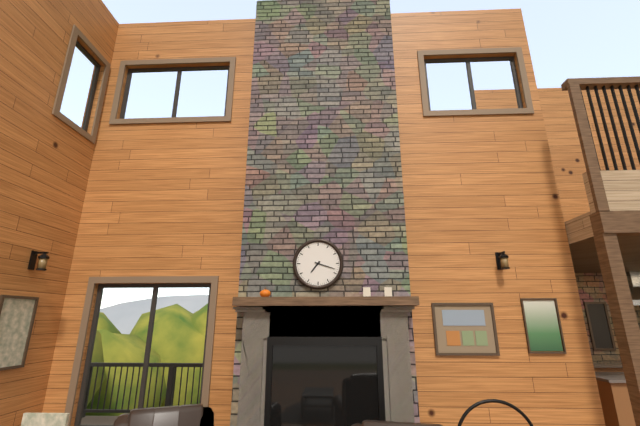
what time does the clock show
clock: 7:18
